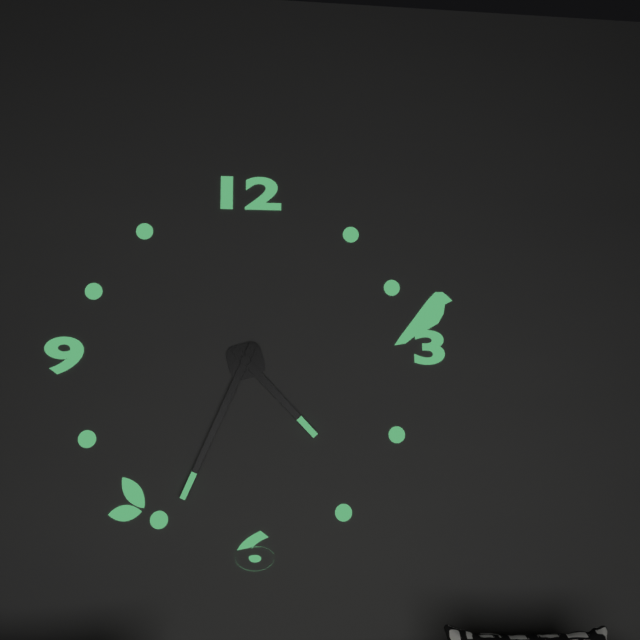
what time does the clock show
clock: 4:34
